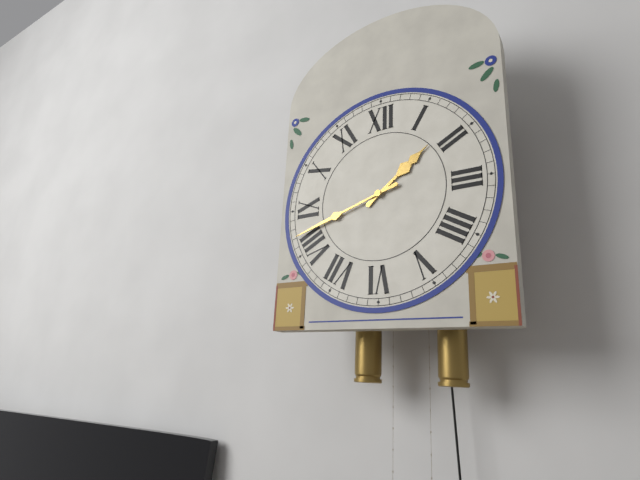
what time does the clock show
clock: 1:42
